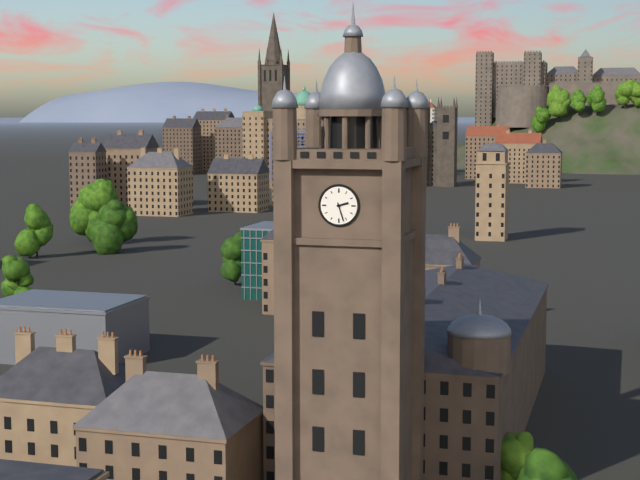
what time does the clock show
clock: 2:27
